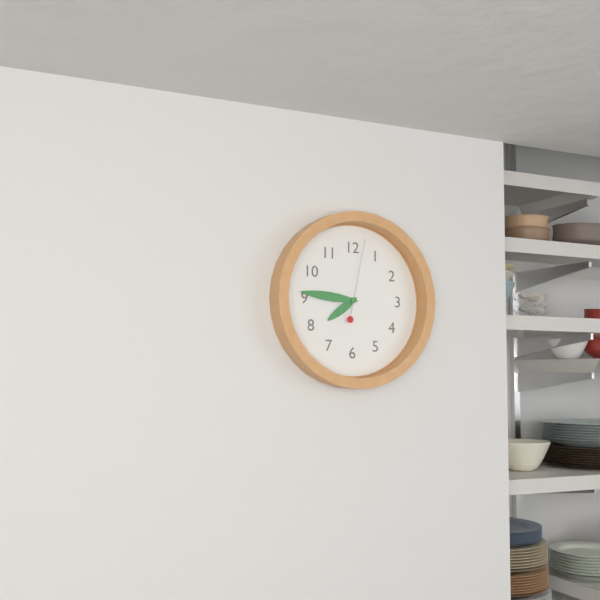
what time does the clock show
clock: 7:46:02
